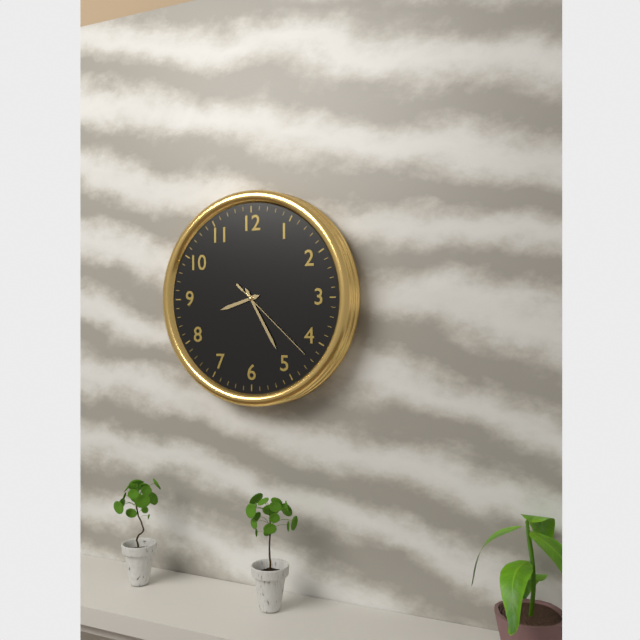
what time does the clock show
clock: 8:25:22
